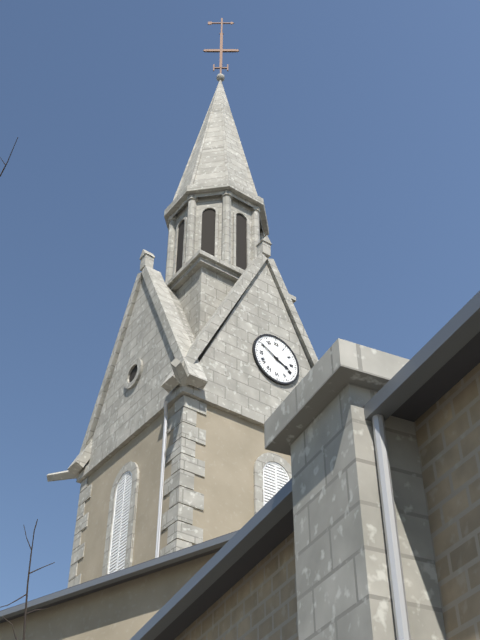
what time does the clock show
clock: 3:50
